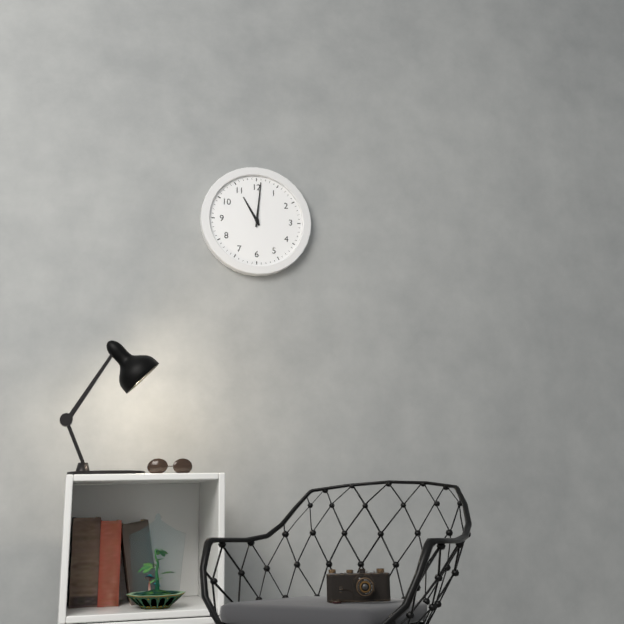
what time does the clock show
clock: 11:01
